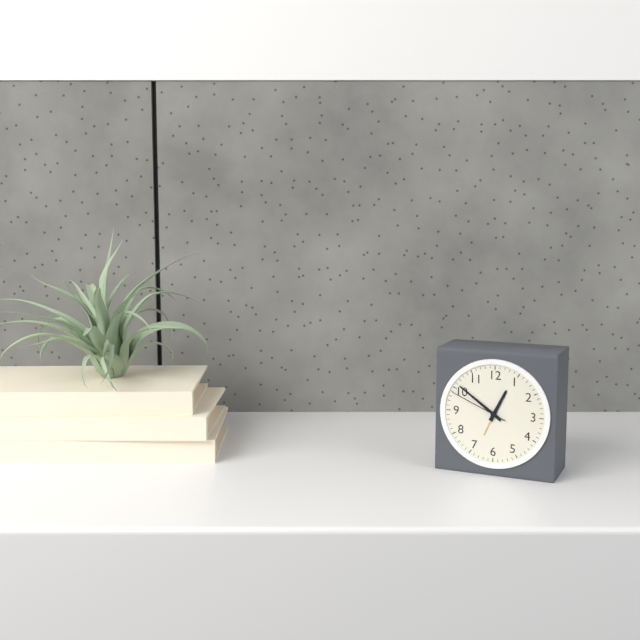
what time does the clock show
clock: 12:51:49
